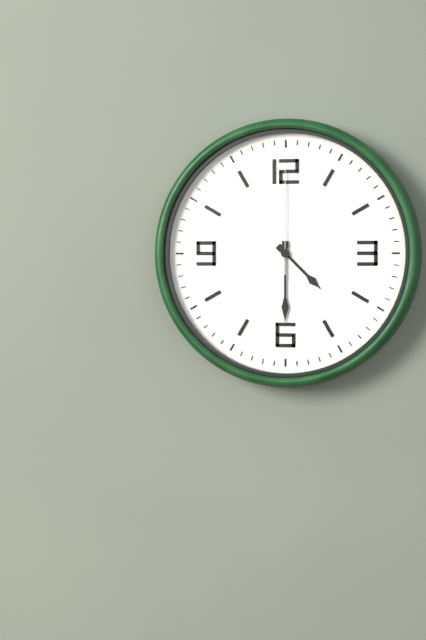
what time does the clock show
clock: 4:30:00
